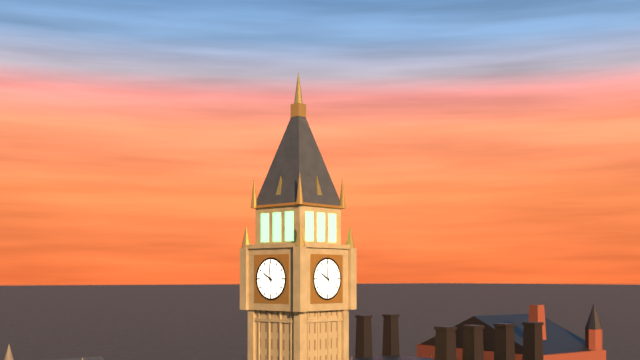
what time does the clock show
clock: 9:59
